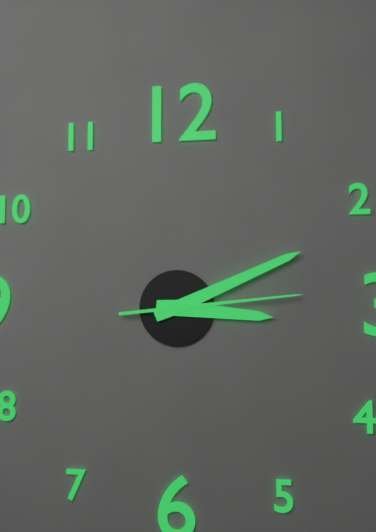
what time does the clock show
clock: 3:11:14
